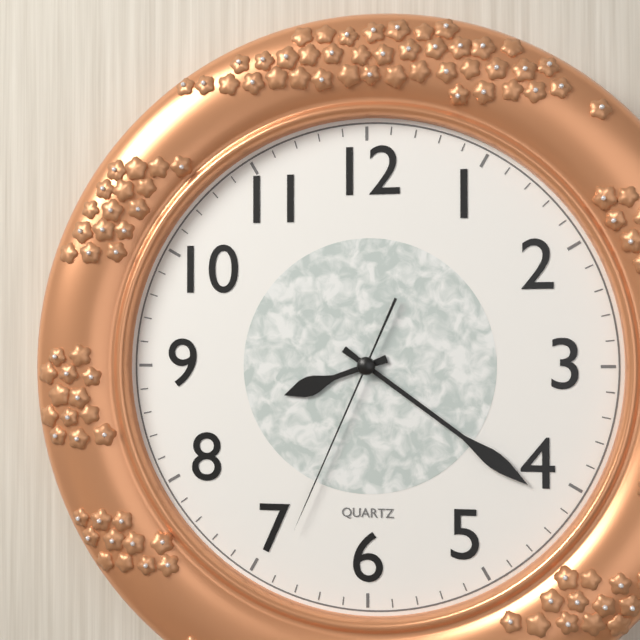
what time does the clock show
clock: 8:21:34
